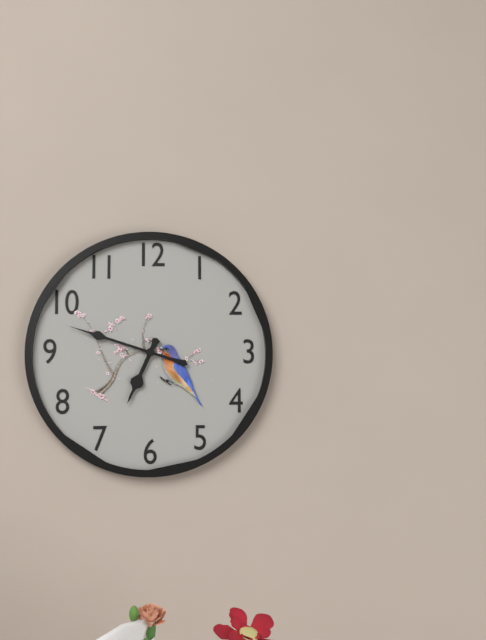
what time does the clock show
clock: 6:48
